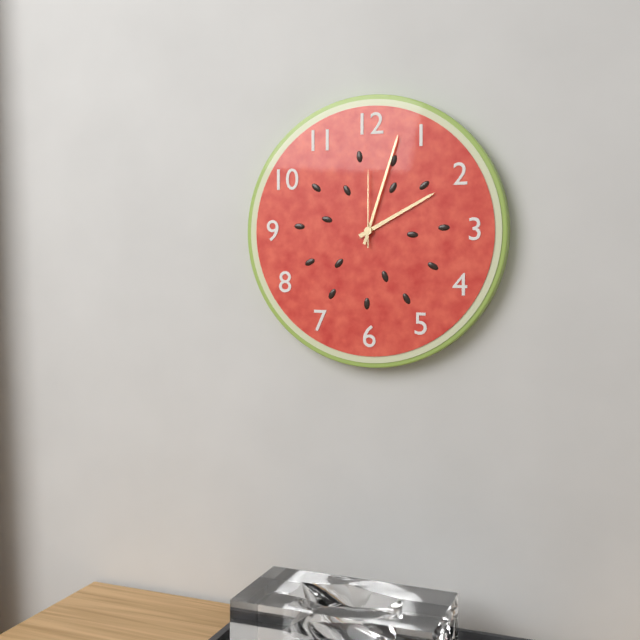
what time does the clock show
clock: 2:03:00
